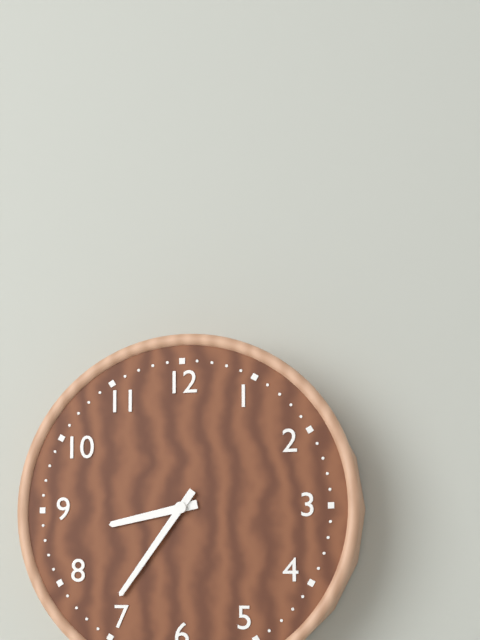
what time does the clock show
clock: 8:36
